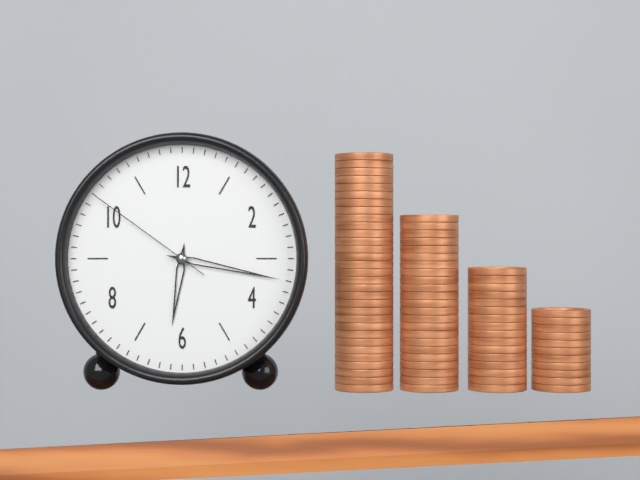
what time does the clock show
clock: 6:17:51
